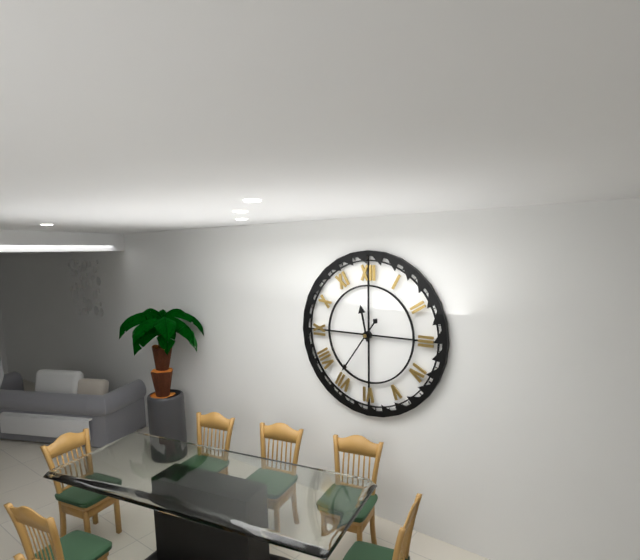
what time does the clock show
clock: 11:36
